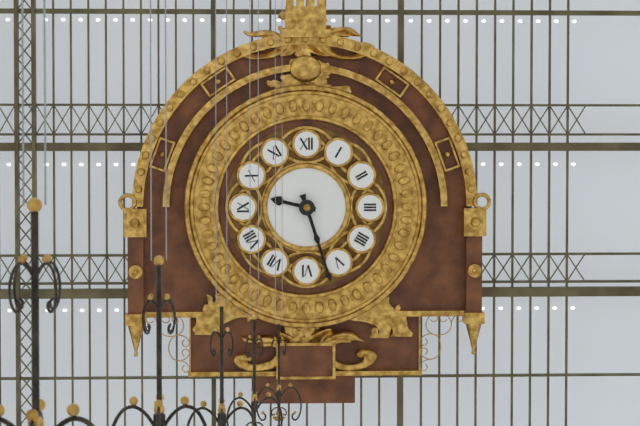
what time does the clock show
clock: 9:27
